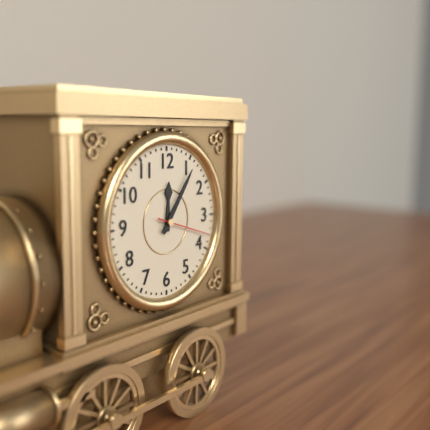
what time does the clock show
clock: 12:06:18
